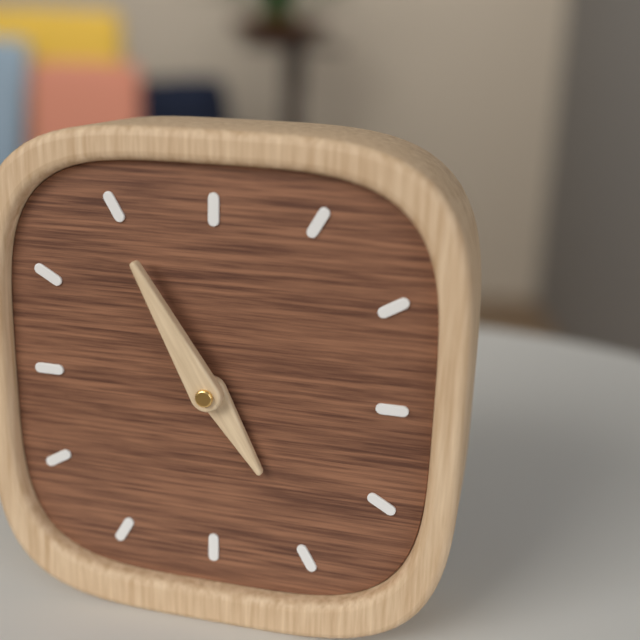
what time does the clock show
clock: 4:55
